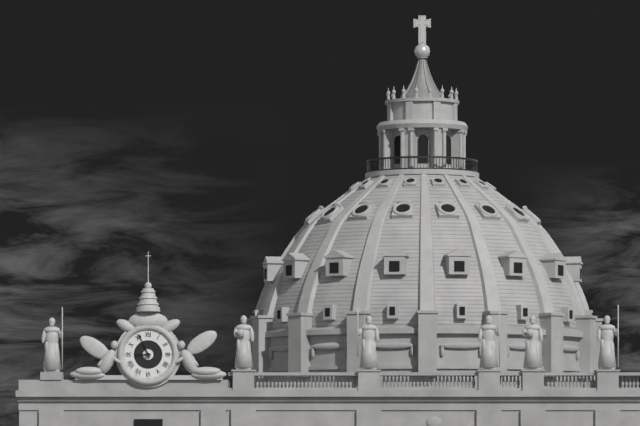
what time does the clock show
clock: 8:56
